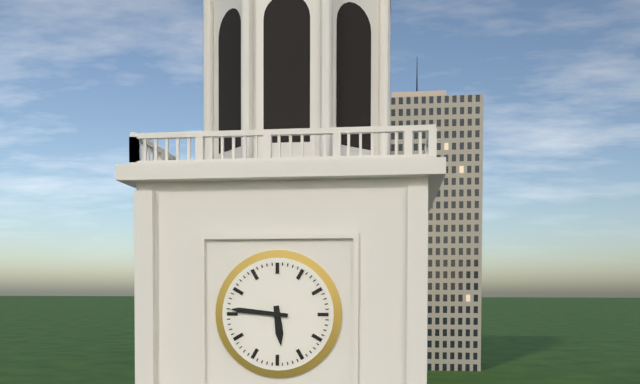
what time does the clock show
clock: 5:46
